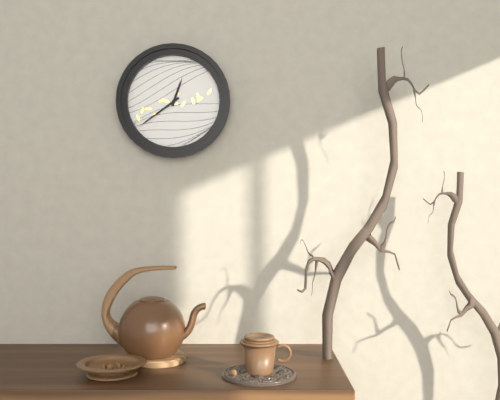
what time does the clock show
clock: 12:39
